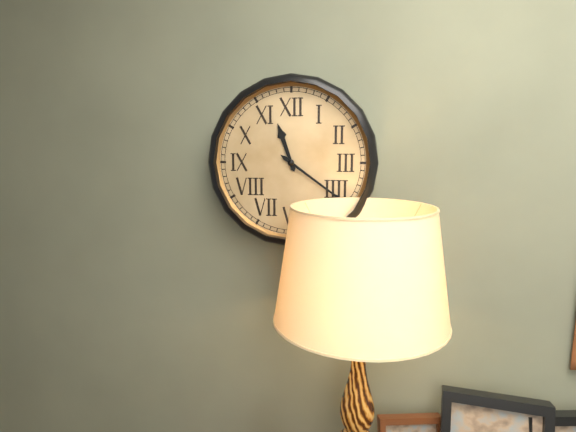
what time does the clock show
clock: 11:21
